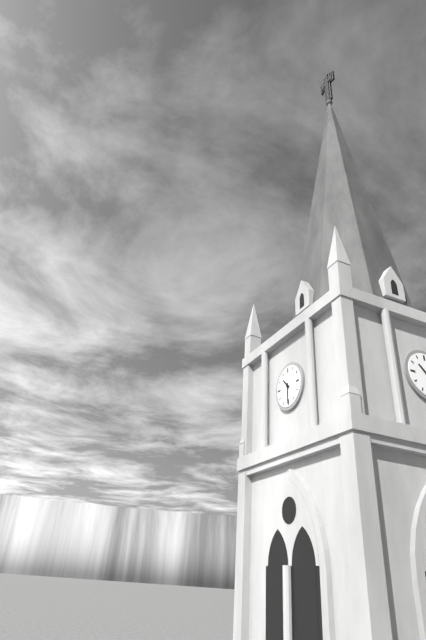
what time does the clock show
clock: 10:30
